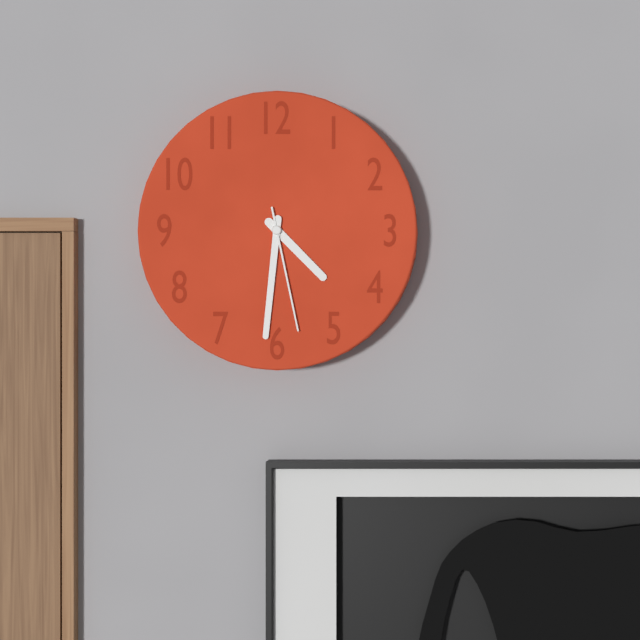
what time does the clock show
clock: 4:31:28
